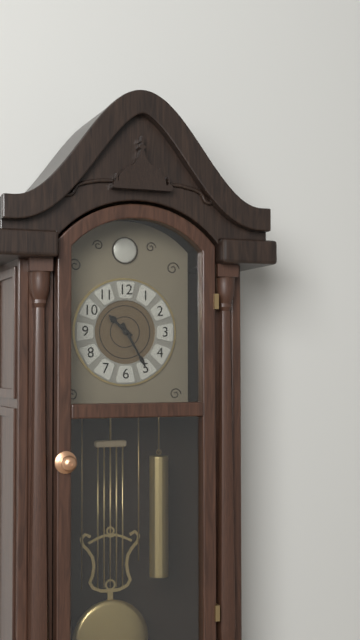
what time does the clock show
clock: 10:25
